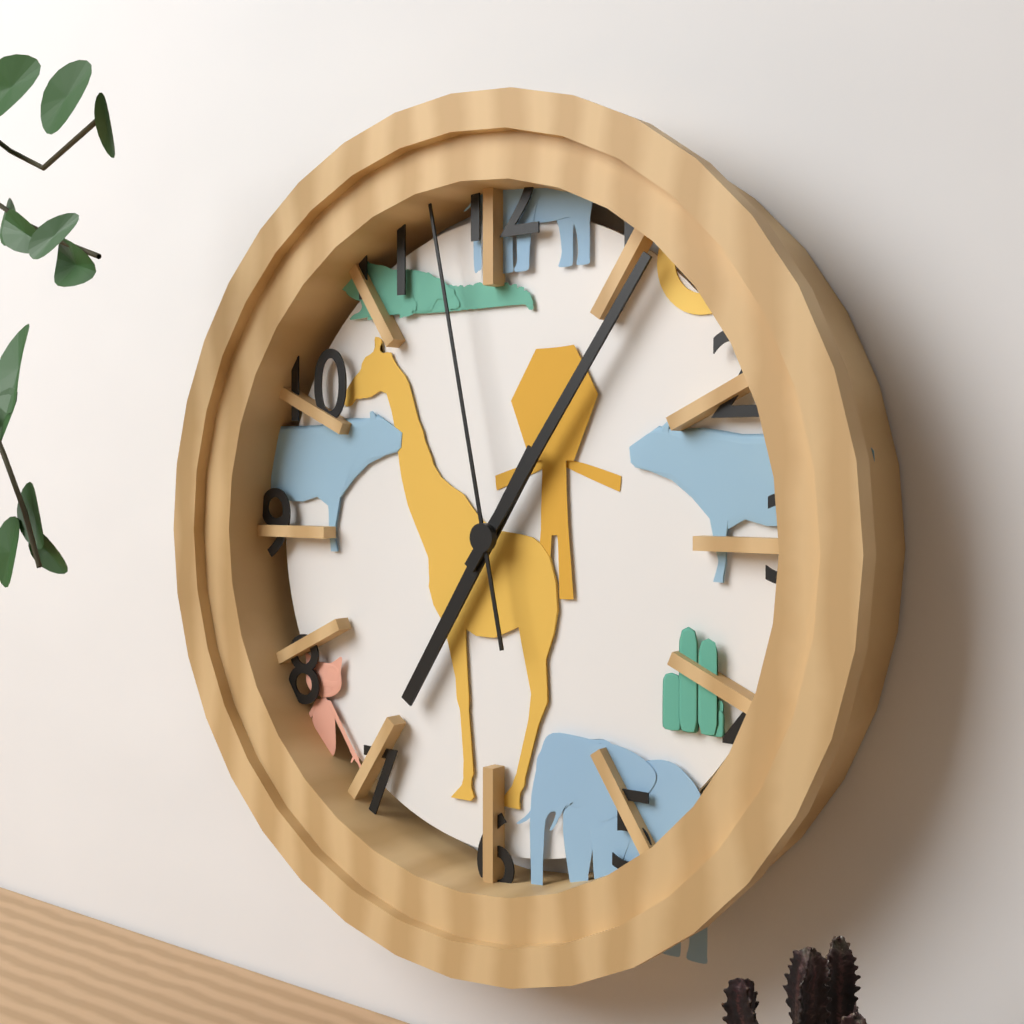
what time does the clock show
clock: 7:06:58
